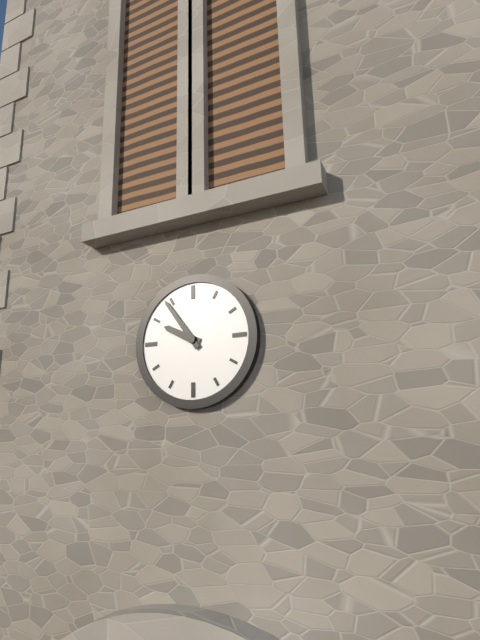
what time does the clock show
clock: 9:54
